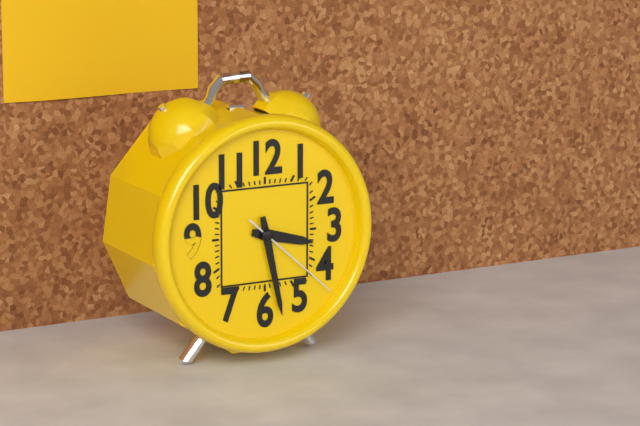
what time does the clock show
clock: 3:28:22
